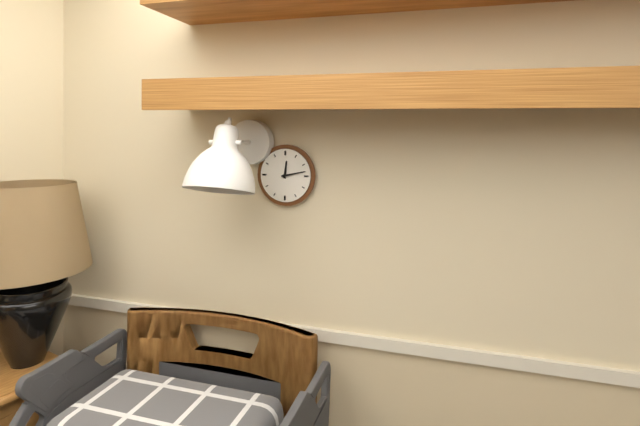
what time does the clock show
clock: 12:13
